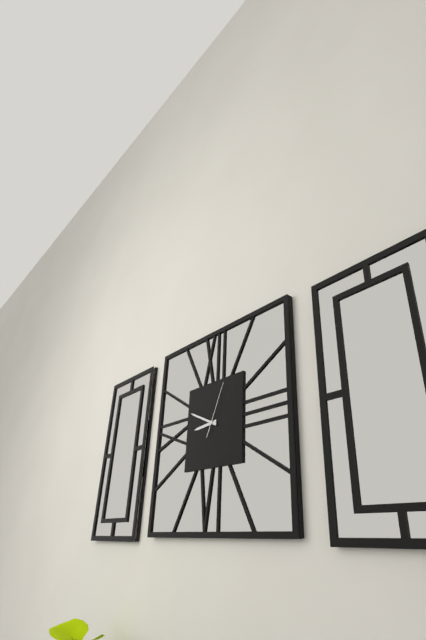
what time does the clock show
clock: 8:49:04
